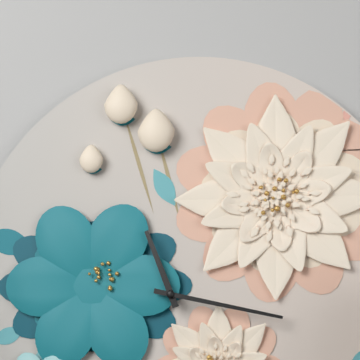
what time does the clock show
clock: 11:17
